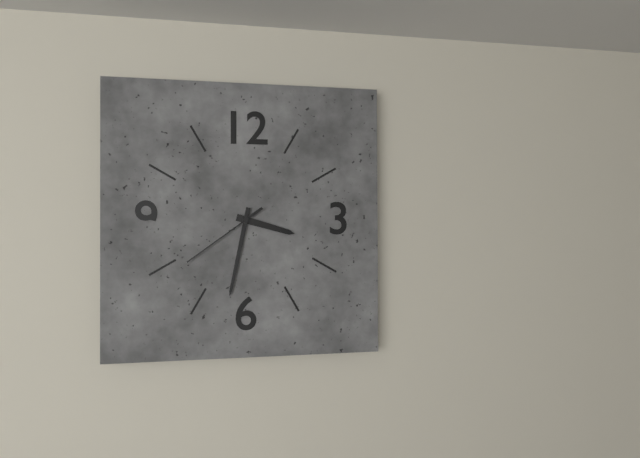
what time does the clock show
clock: 3:32:39
